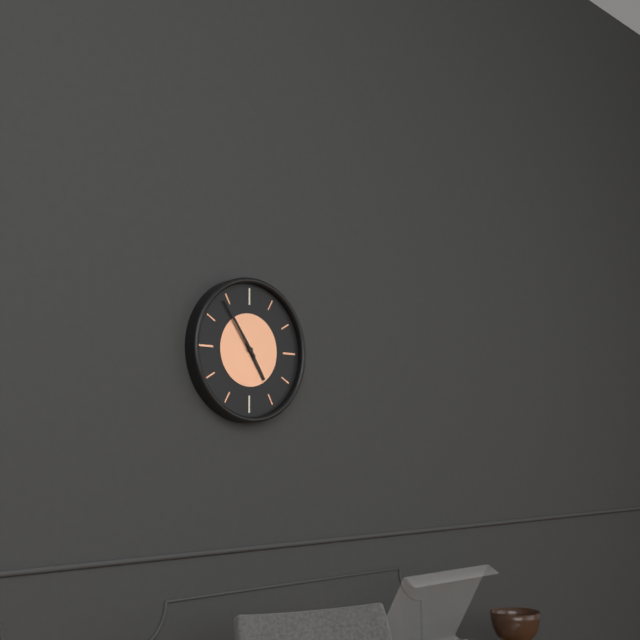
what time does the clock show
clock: 4:54
